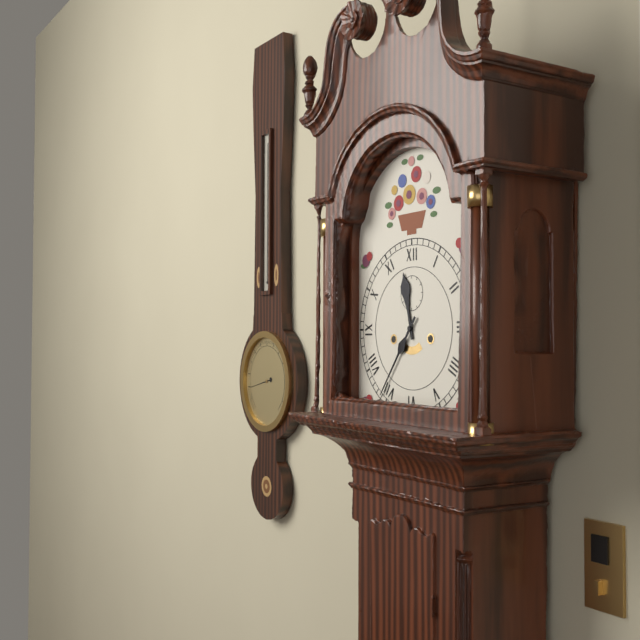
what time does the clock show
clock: 11:36
